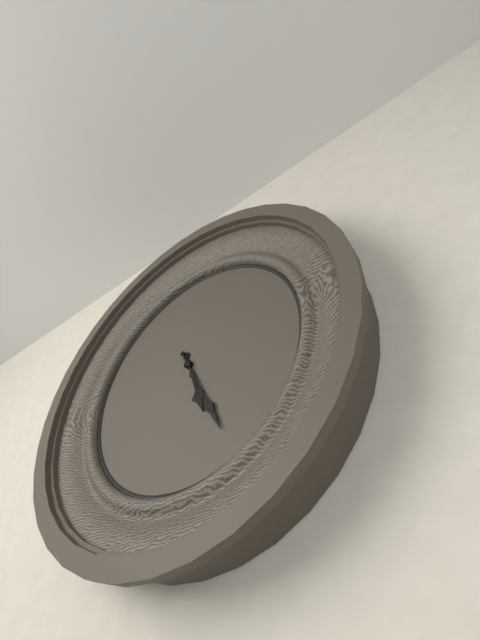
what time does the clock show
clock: 5:26
